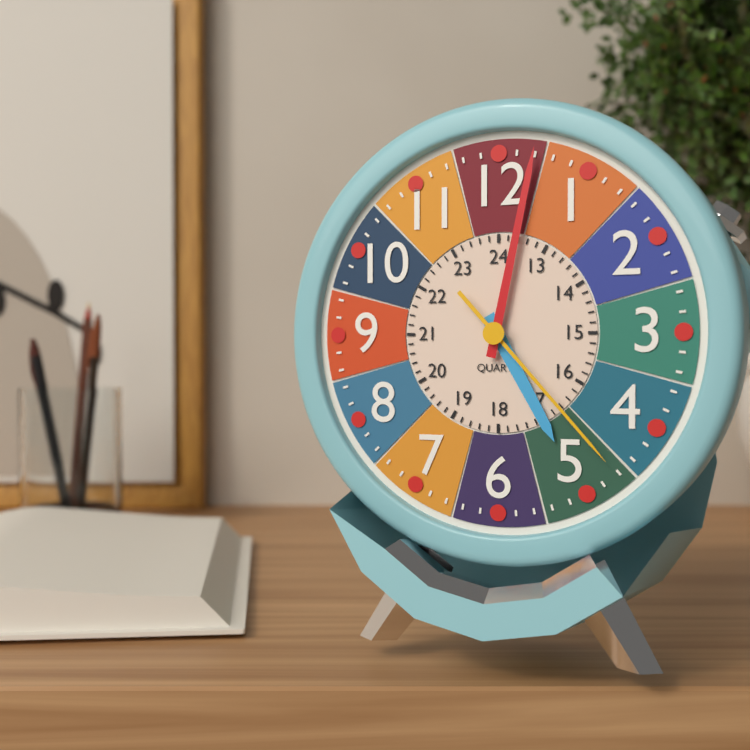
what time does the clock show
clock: 5:02:23
